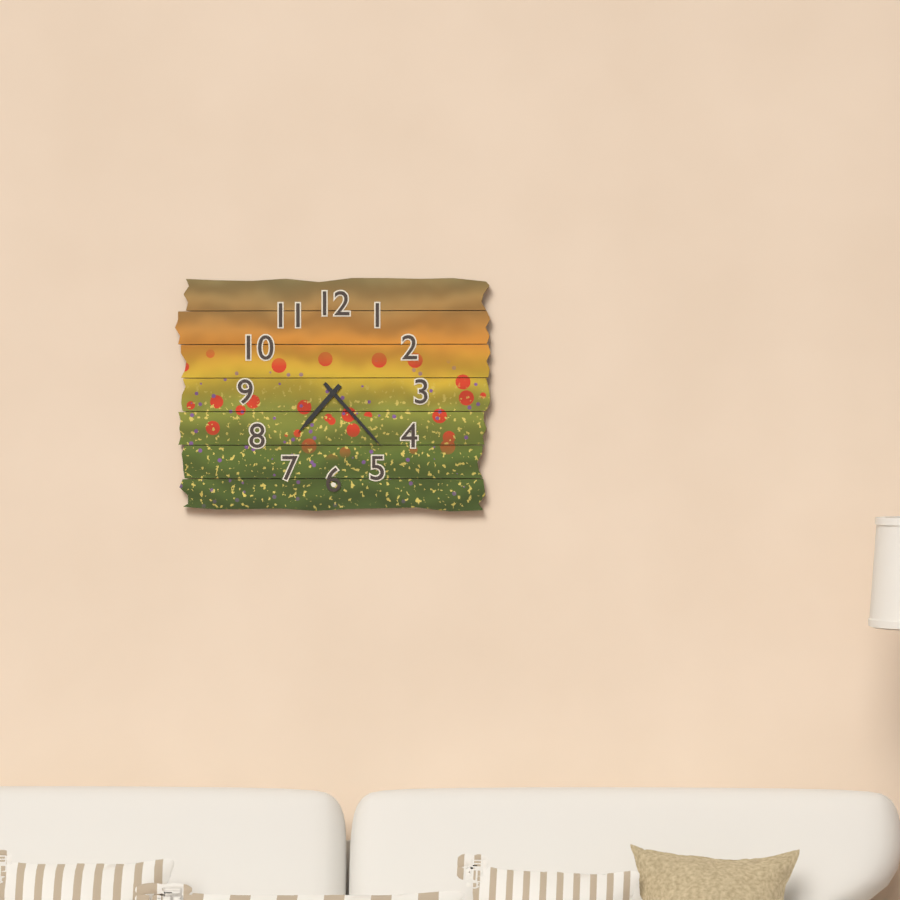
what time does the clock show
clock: 7:23
